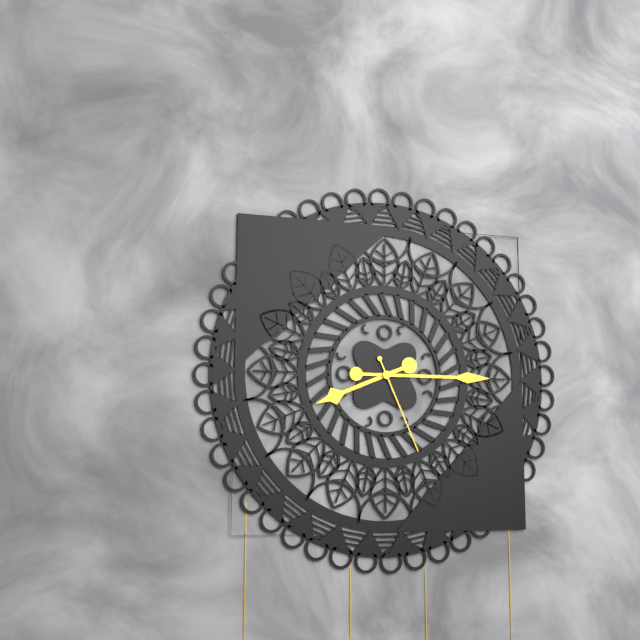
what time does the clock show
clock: 8:15:26
